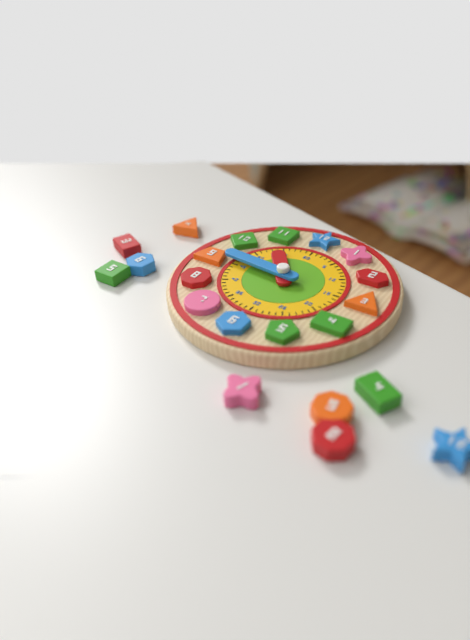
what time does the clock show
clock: 10:46
